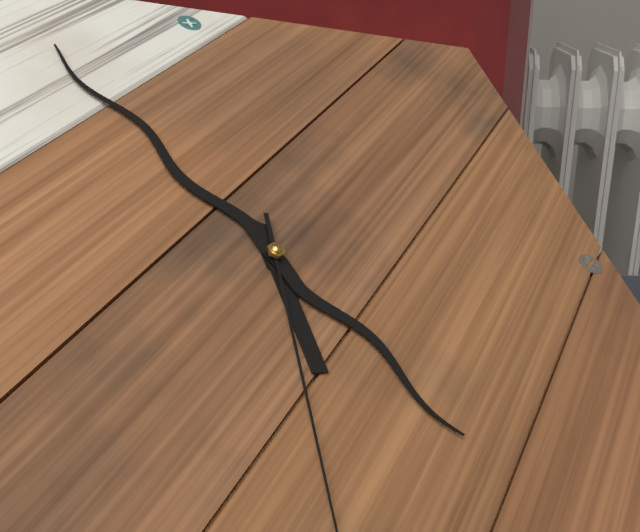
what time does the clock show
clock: 5:55
